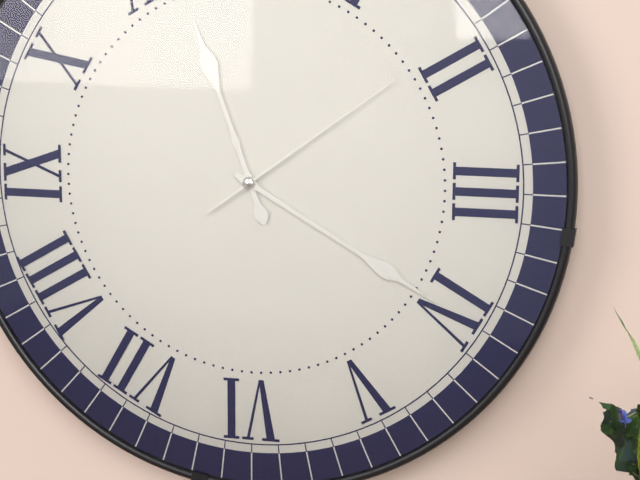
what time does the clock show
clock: 11:20:09
